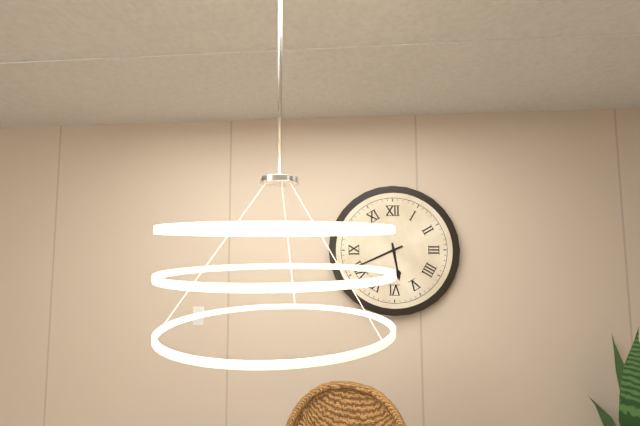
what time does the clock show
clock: 5:41
